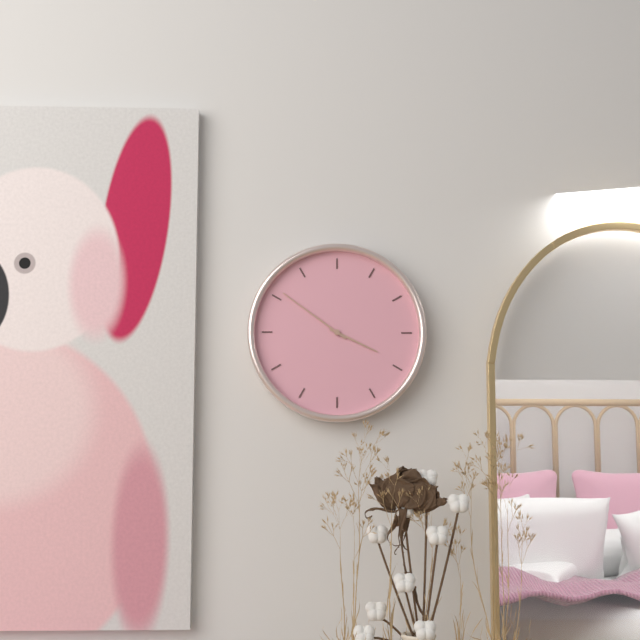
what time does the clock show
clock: 3:51
